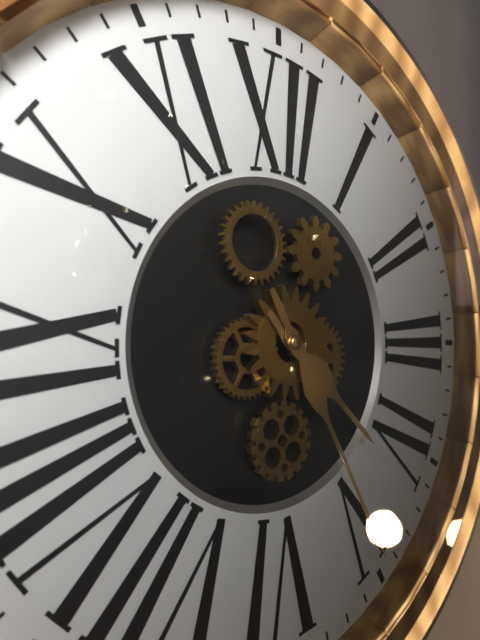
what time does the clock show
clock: 4:25
